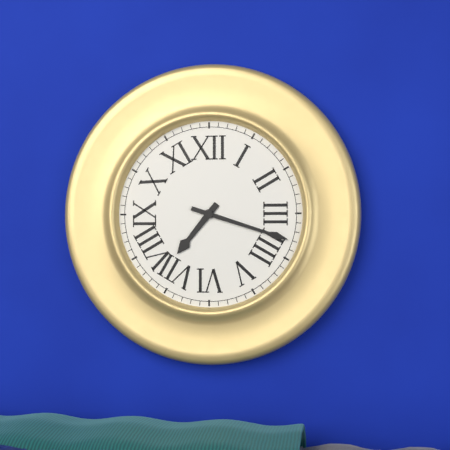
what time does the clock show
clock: 7:18
